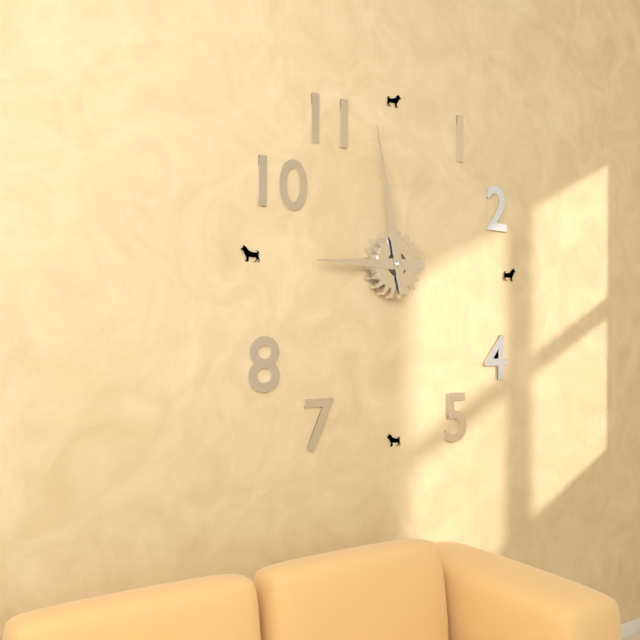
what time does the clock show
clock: 8:58
